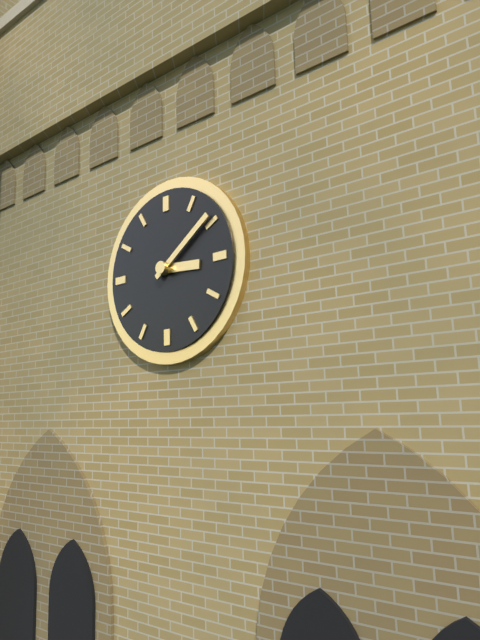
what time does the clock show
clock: 3:09
